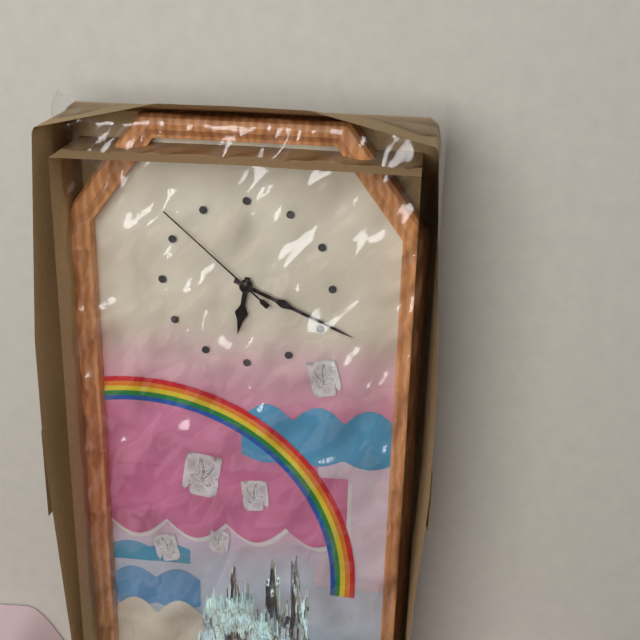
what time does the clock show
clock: 6:19:52
